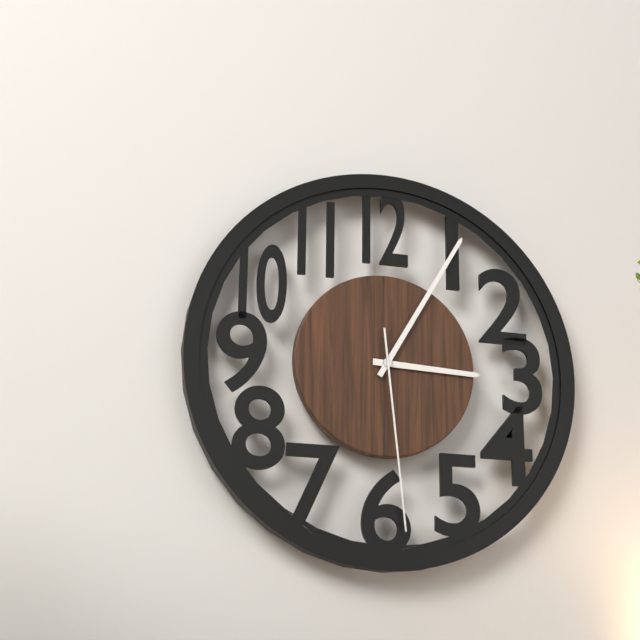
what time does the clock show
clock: 3:05:29
